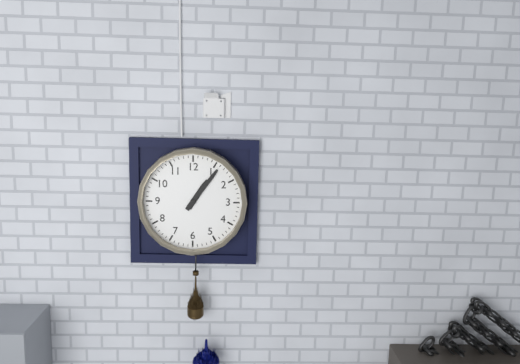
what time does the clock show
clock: 1:06
